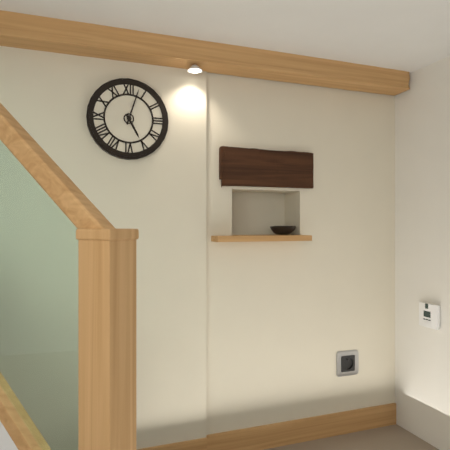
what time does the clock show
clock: 5:03
